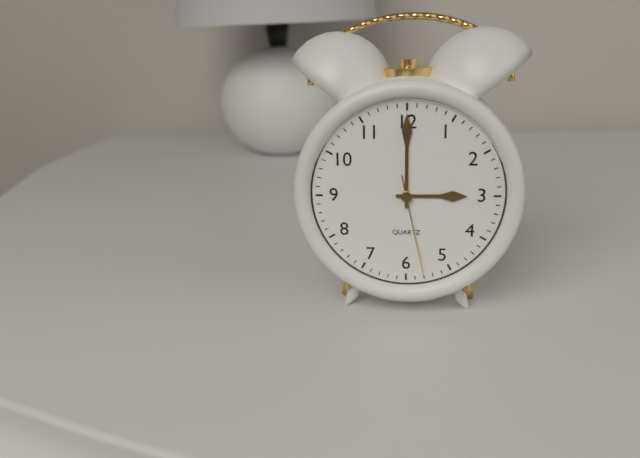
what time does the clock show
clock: 3:00:28
